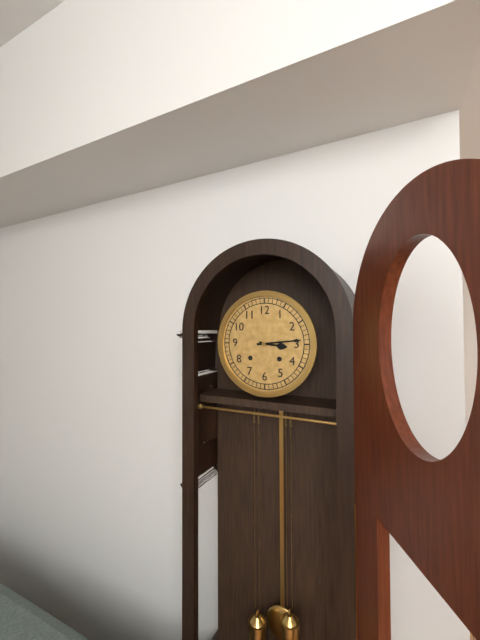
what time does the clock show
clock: 3:14
